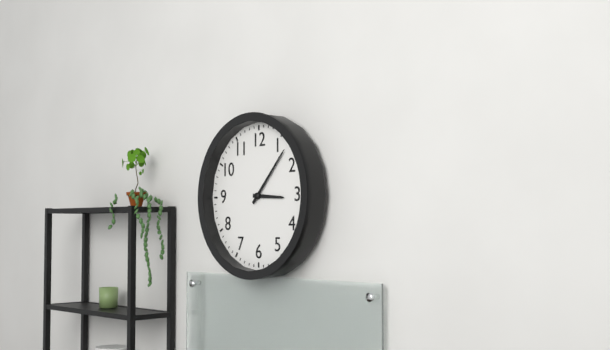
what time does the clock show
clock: 3:07
